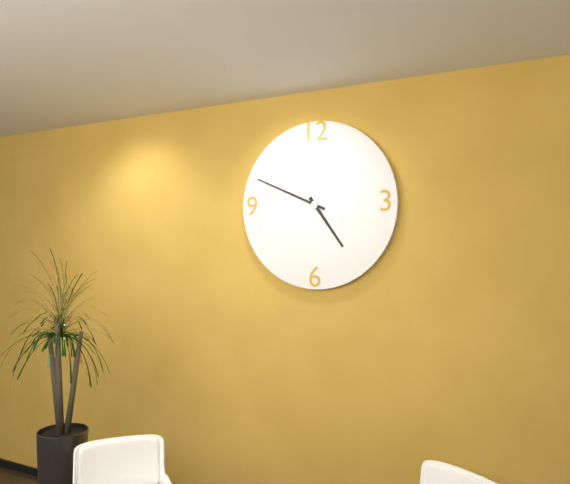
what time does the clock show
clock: 4:49
